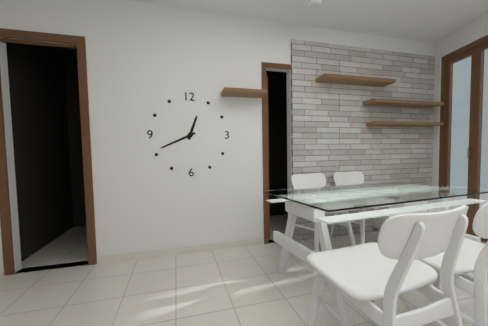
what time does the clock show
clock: 12:41
